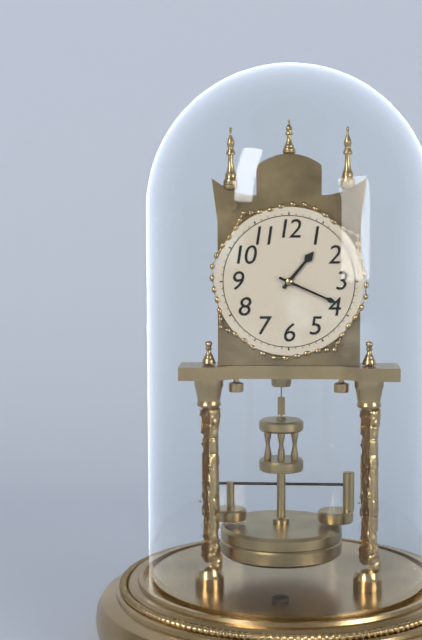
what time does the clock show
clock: 1:19
